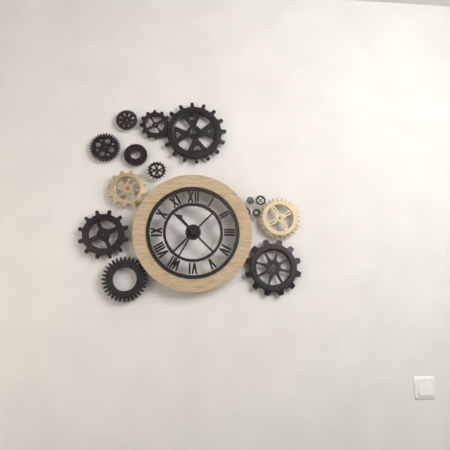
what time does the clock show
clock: 10:35
